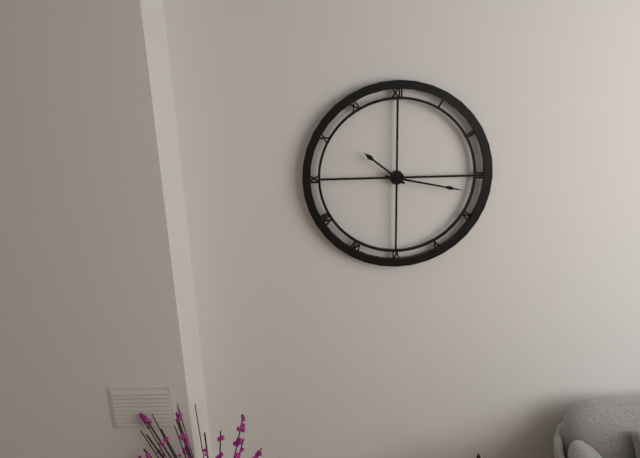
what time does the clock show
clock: 10:17
